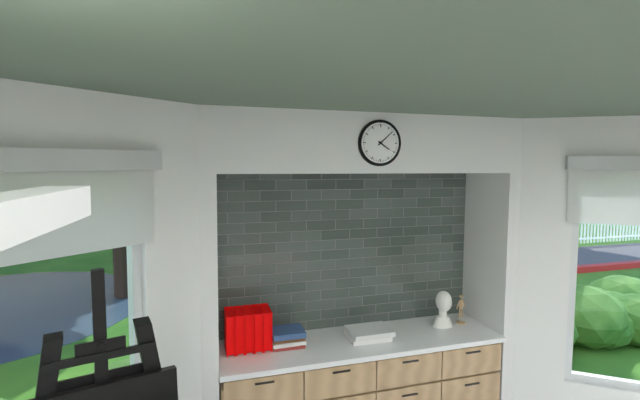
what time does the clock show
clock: 4:08
